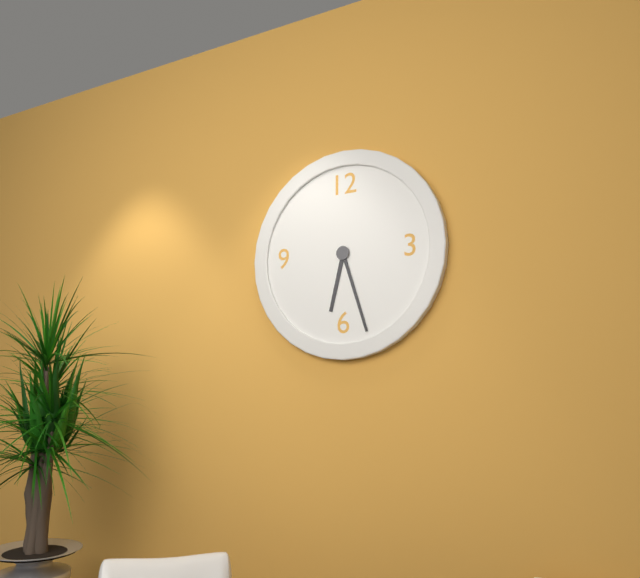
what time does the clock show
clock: 6:27
